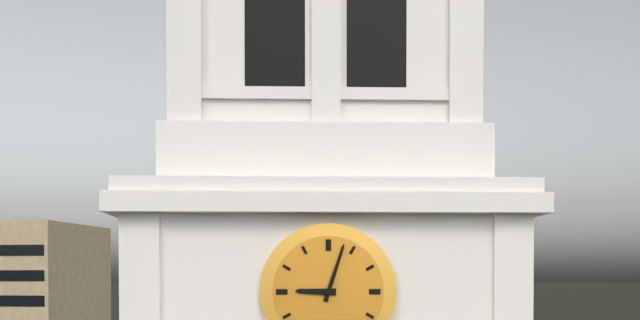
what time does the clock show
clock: 9:03
